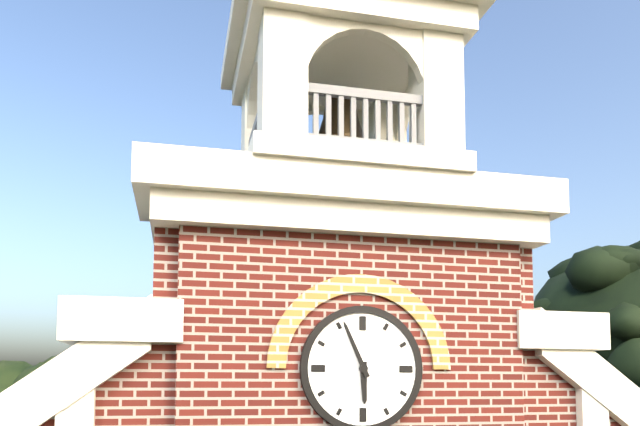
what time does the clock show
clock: 5:56
